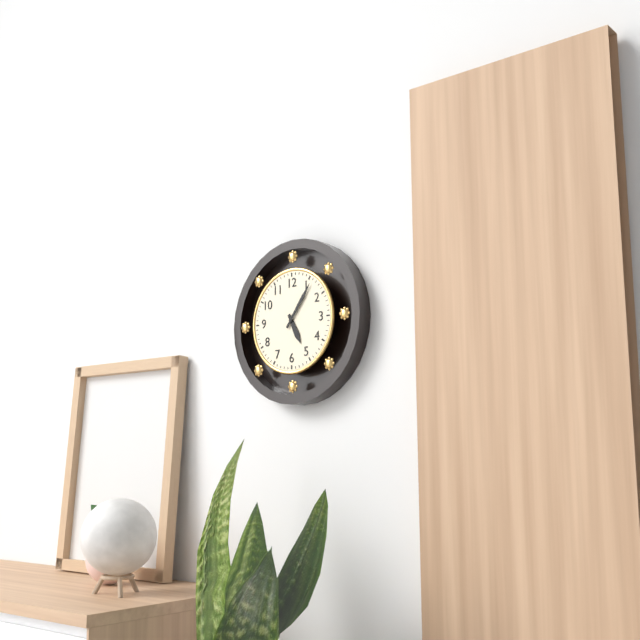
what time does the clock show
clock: 5:06
